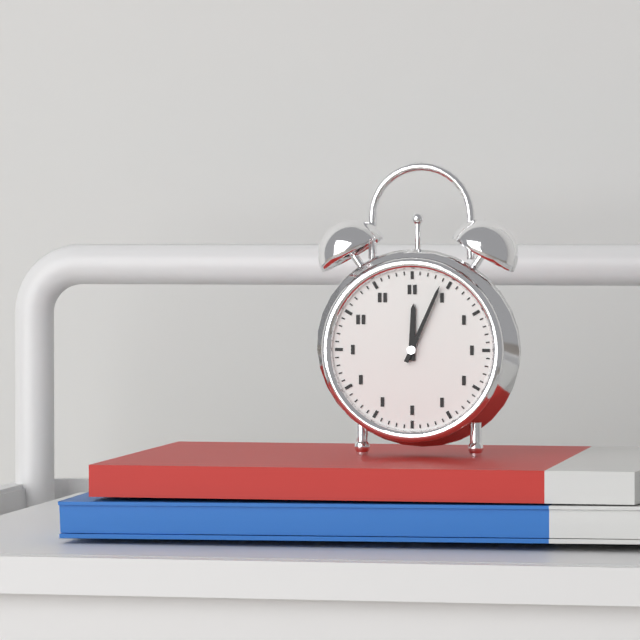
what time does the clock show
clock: 12:04
